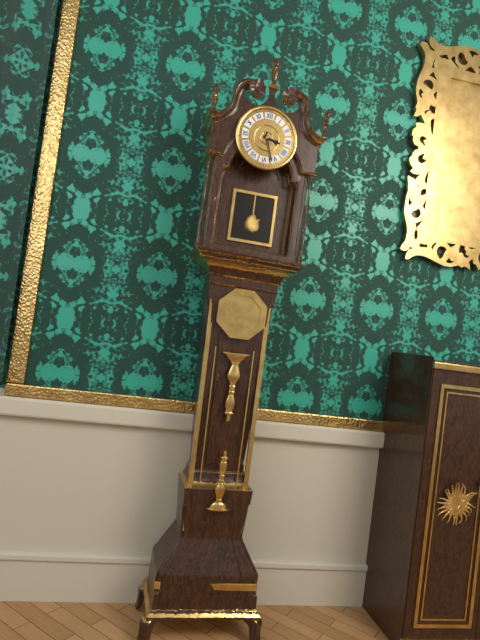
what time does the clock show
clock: 3:27
